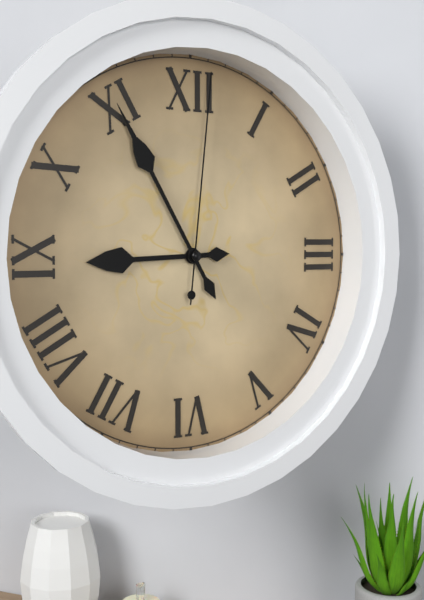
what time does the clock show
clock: 8:55:01
